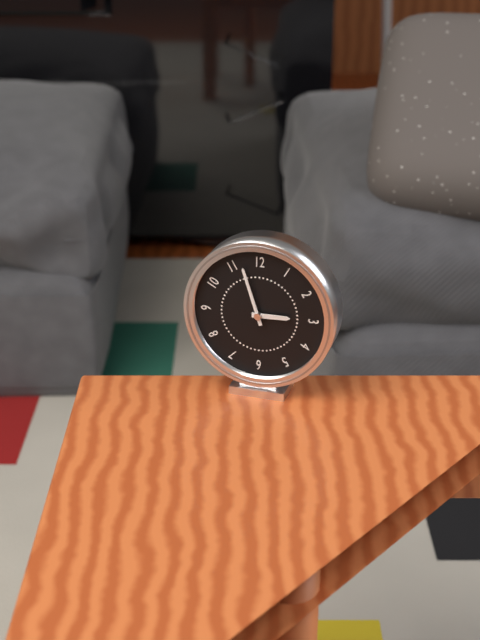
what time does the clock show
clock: 2:57
